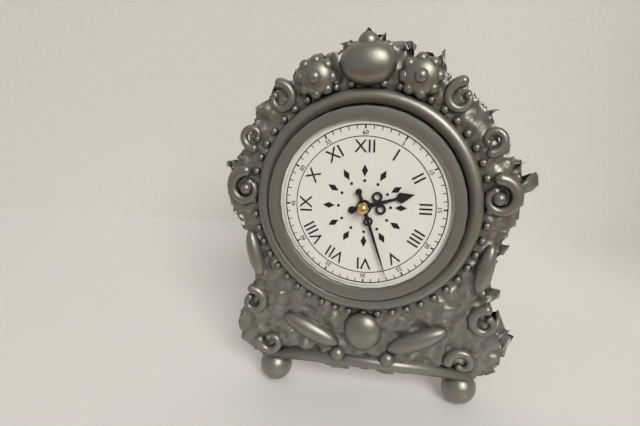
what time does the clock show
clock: 2:27
